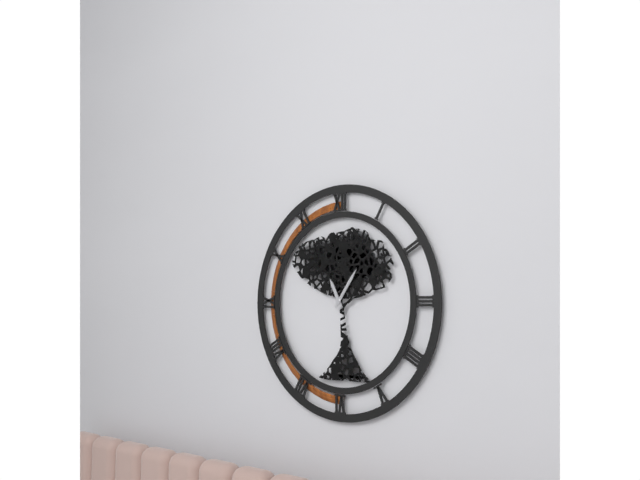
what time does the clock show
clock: 11:06
